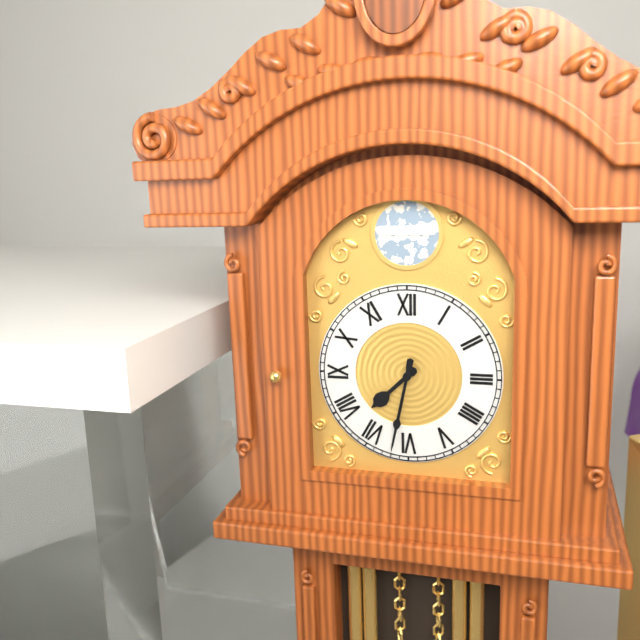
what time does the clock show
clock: 7:32
